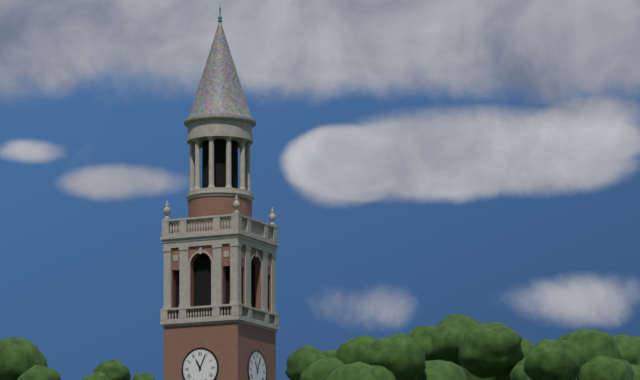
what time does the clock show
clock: 11:04
